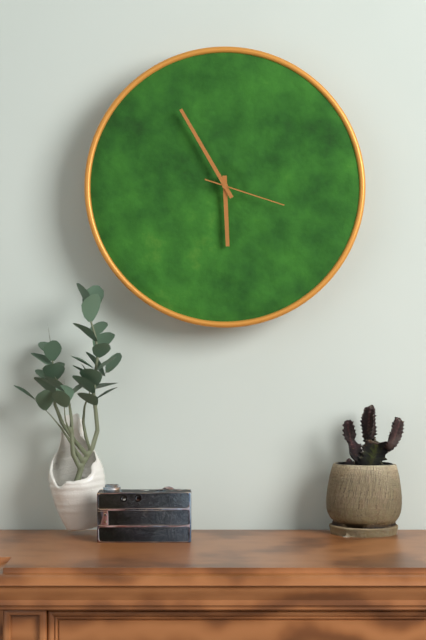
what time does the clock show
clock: 5:55:18
